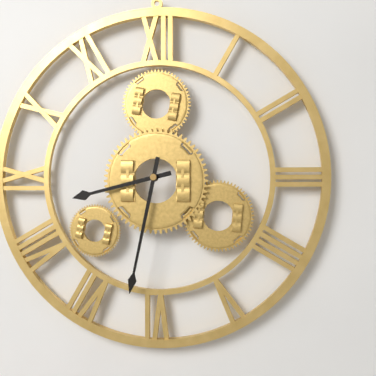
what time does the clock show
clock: 8:32
